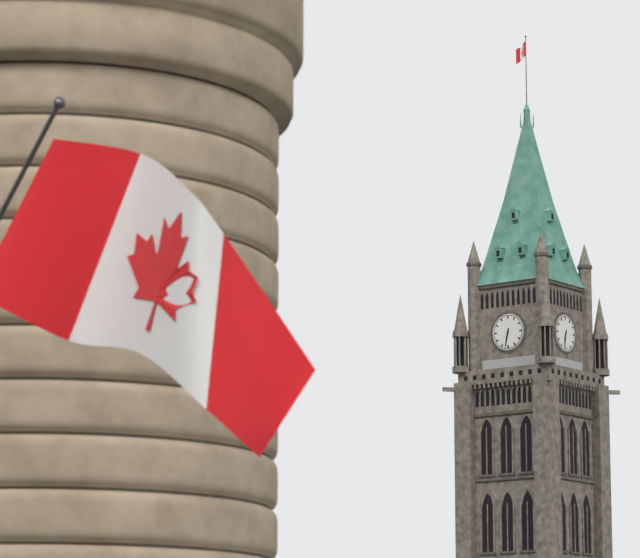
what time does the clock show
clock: 6:32
